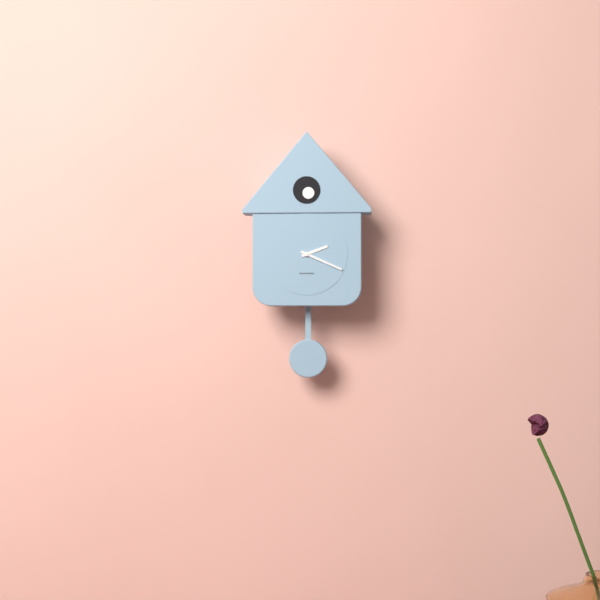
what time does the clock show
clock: 2:19
